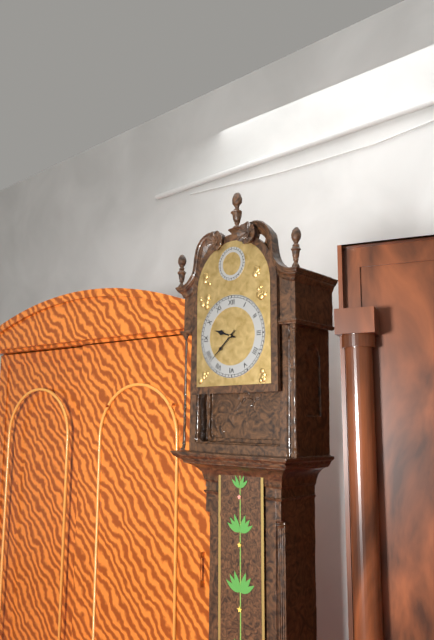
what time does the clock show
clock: 9:38
